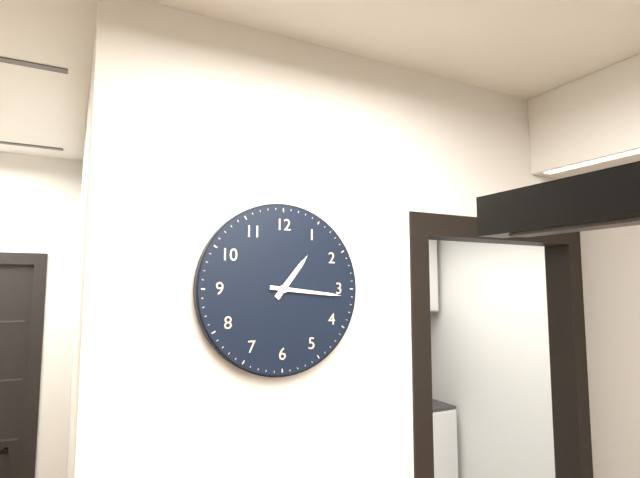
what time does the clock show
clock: 1:16
